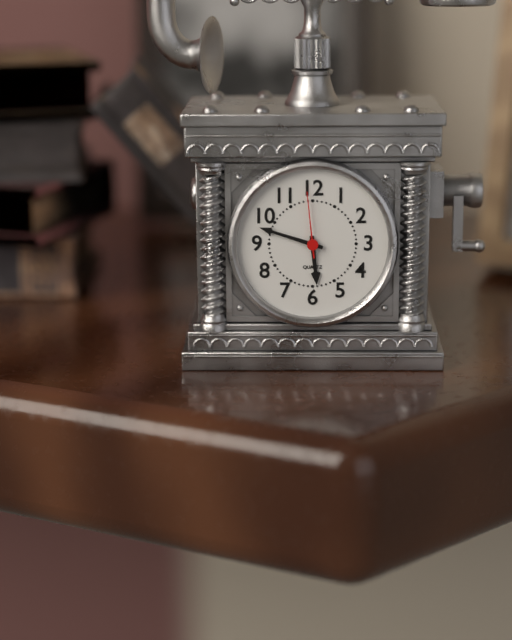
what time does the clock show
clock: 5:48:59
